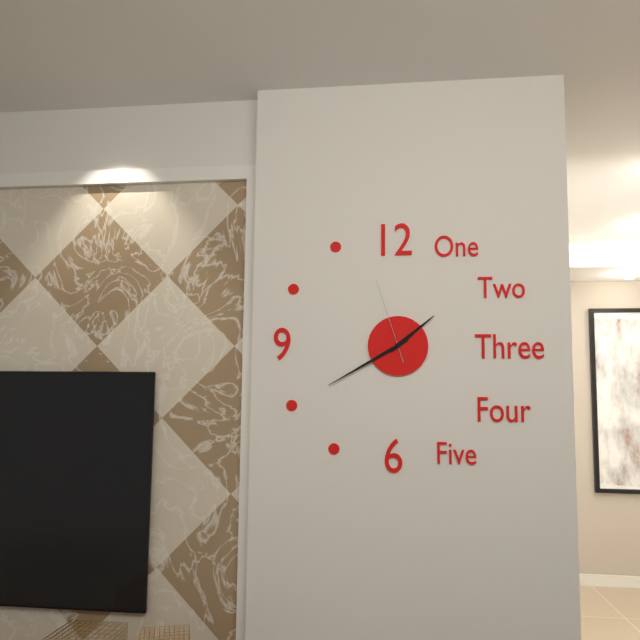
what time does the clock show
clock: 1:40:57
